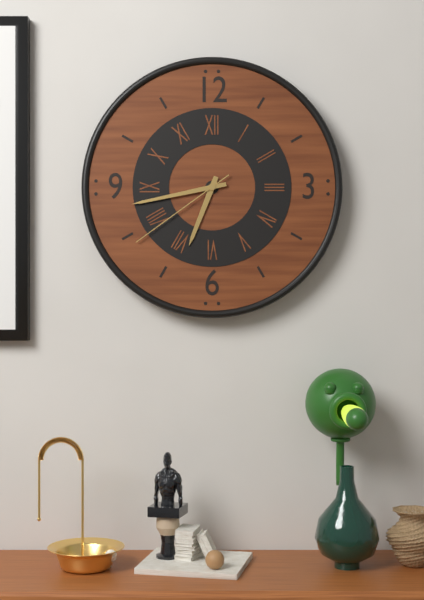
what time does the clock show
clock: 6:43:39
